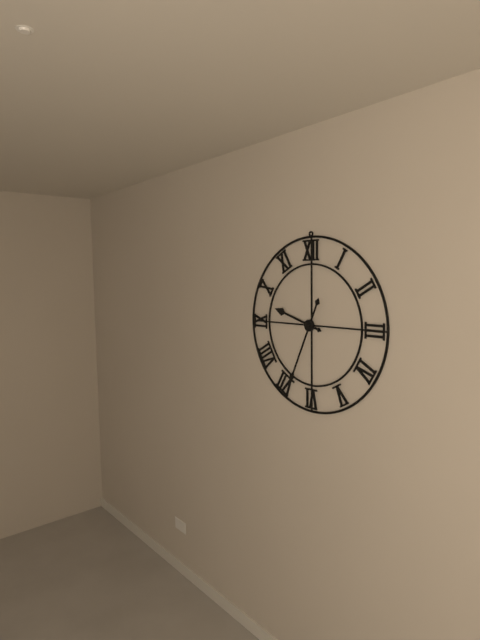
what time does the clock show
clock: 9:34
